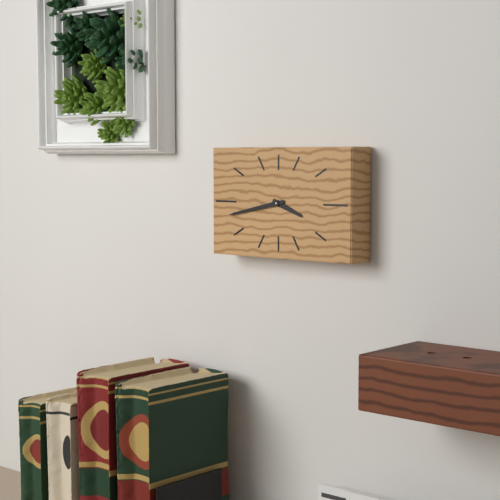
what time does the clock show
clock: 3:43
